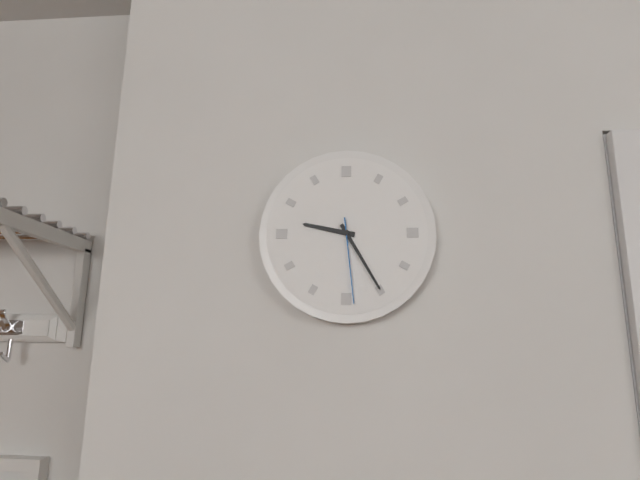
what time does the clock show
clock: 9:25:29
